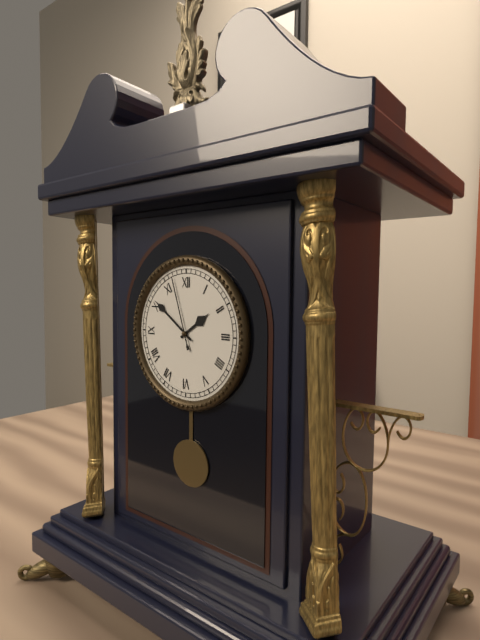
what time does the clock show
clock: 1:51:57
